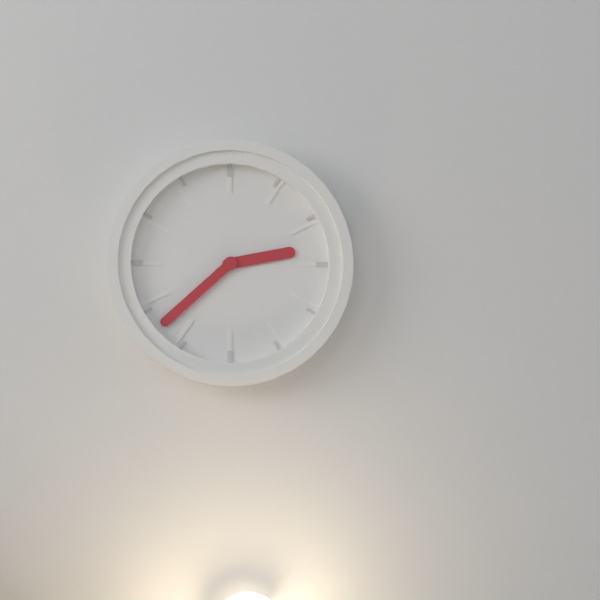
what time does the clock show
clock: 2:38
